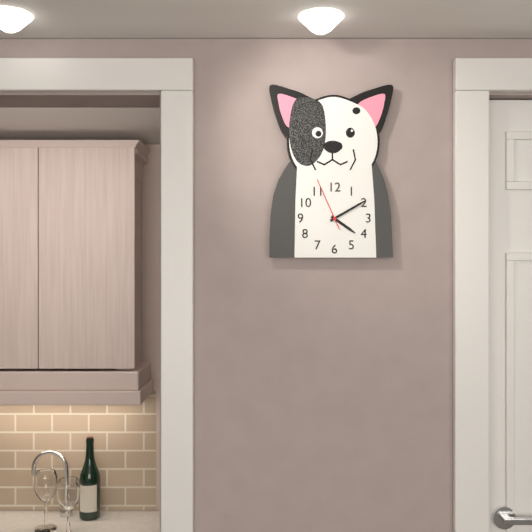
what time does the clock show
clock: 4:10:56
